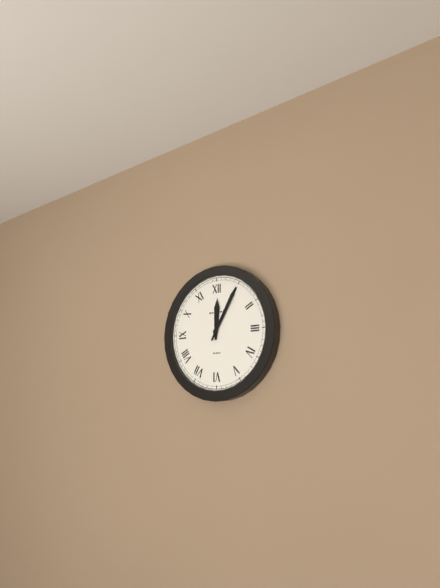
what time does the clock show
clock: 12:05
